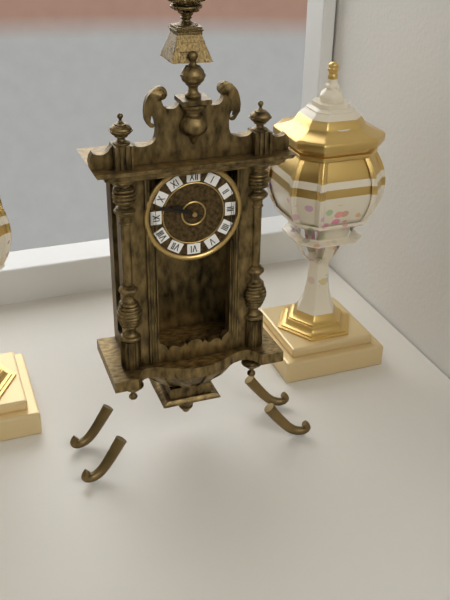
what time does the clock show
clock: 9:48
